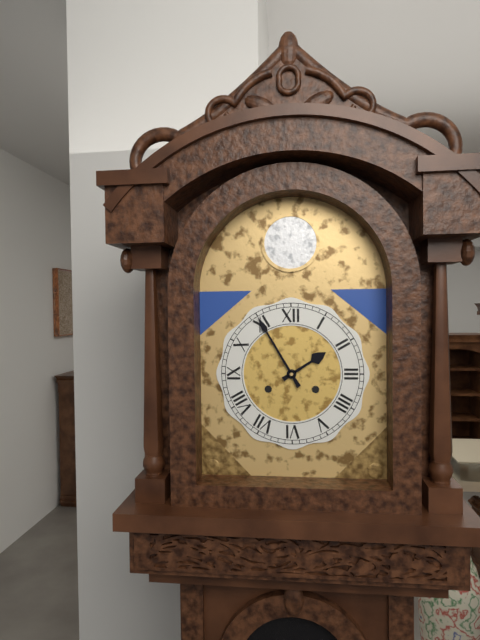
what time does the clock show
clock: 1:55
